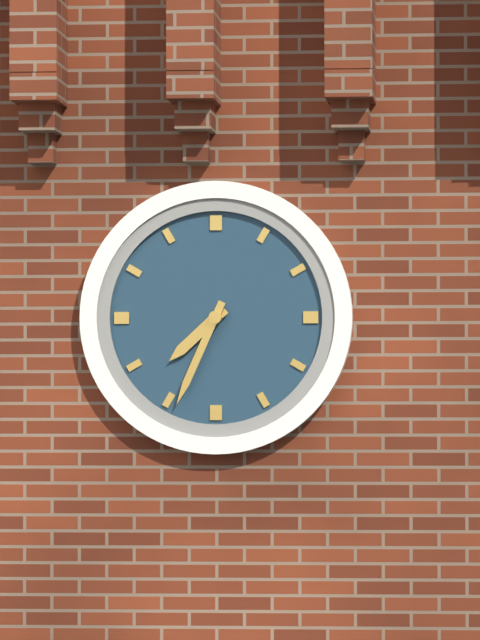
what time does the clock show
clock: 7:34
